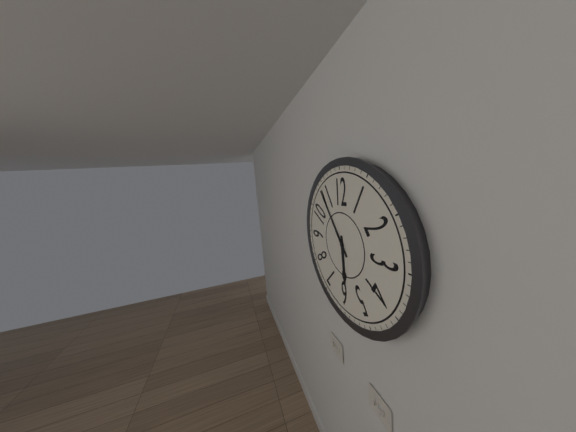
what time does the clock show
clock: 5:54
